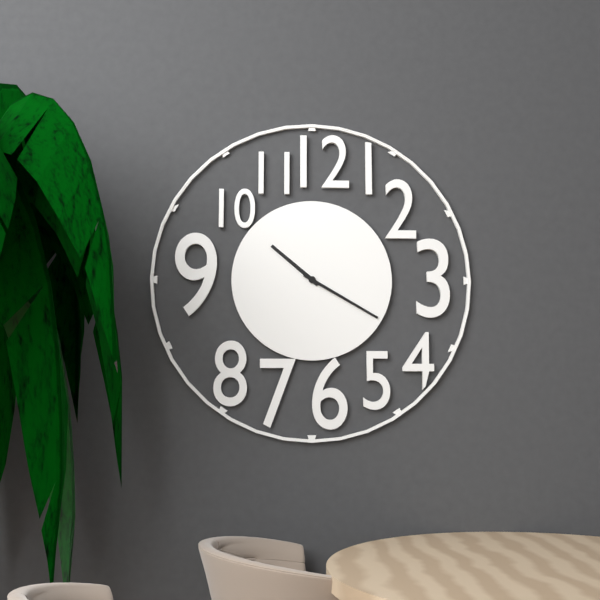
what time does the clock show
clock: 10:20
